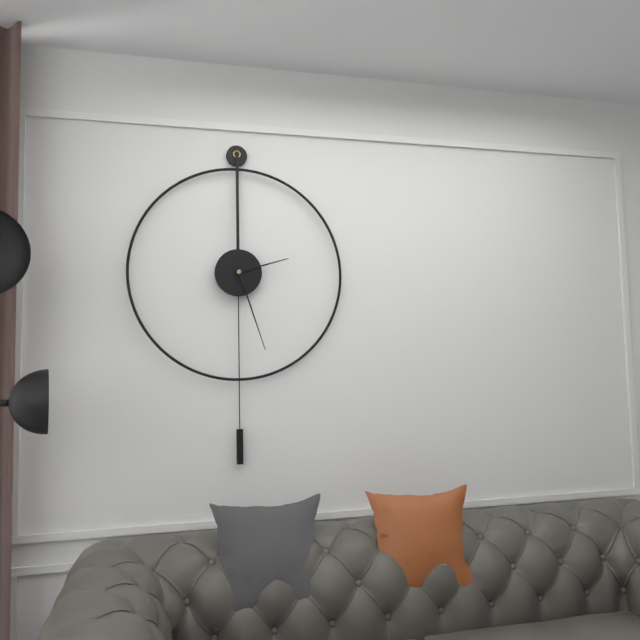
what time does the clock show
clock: 2:27
